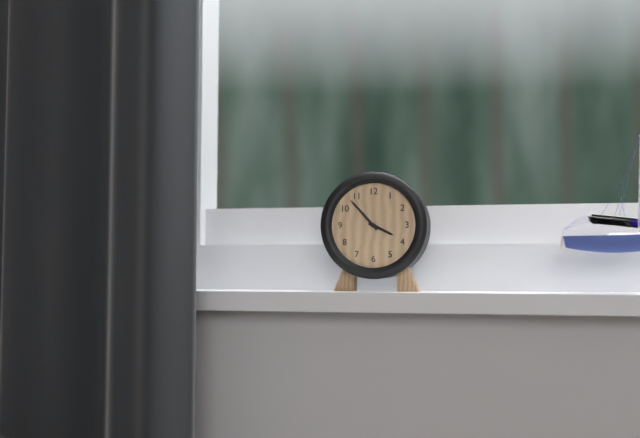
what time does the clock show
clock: 3:53
